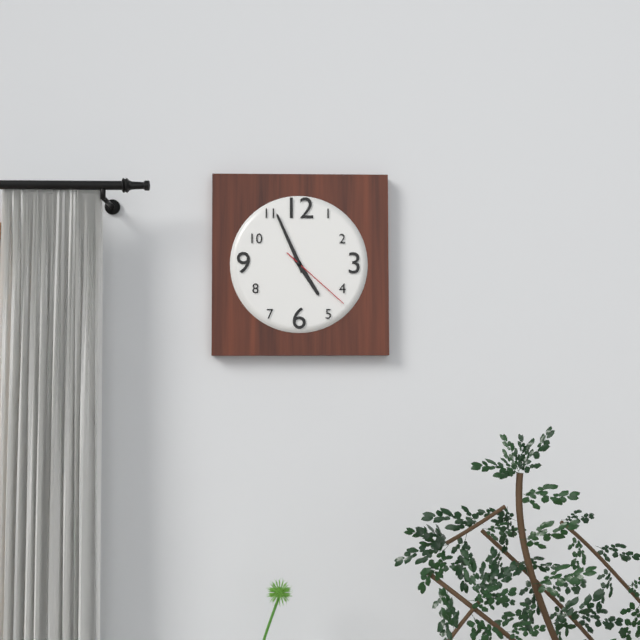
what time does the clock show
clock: 4:56:22
